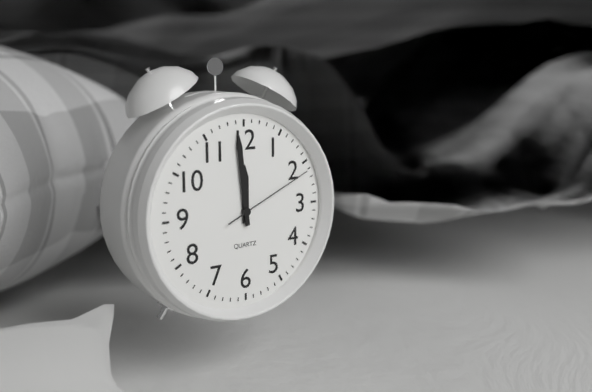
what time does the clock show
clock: 11:59:11
